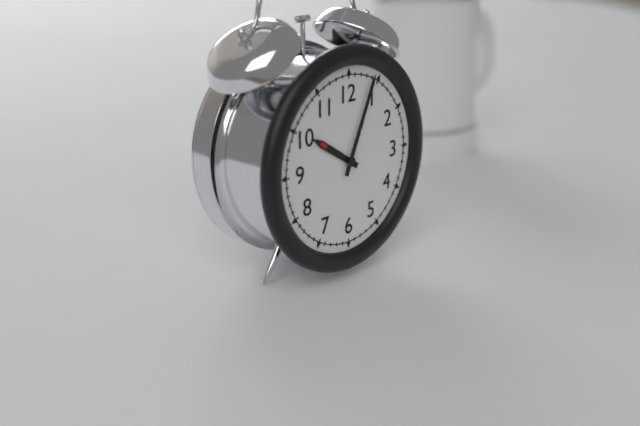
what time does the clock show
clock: 10:04
